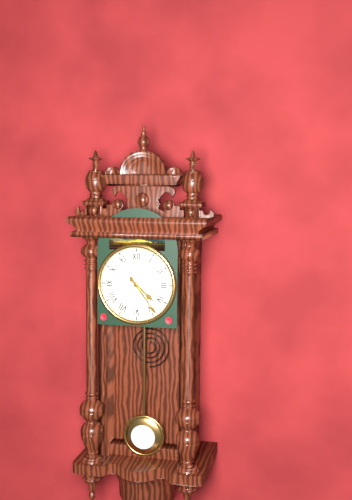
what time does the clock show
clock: 4:24
